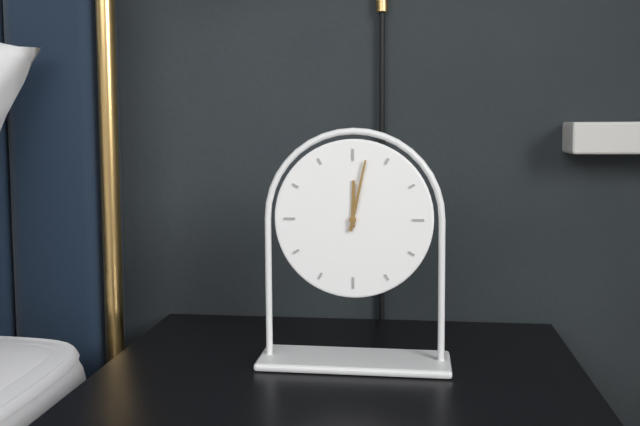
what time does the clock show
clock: 12:02
